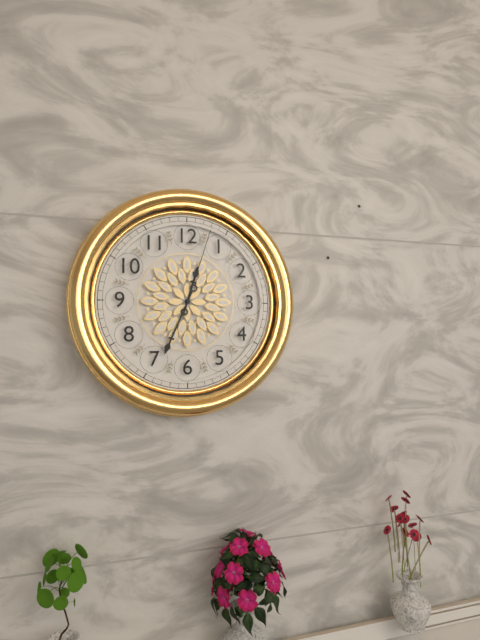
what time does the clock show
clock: 12:34:03
